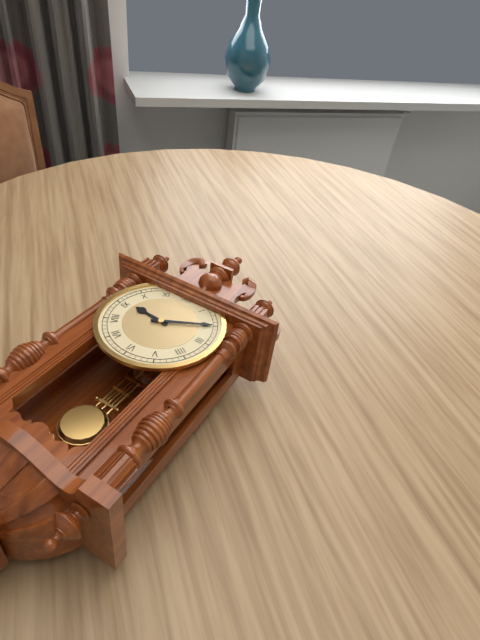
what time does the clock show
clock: 9:10
